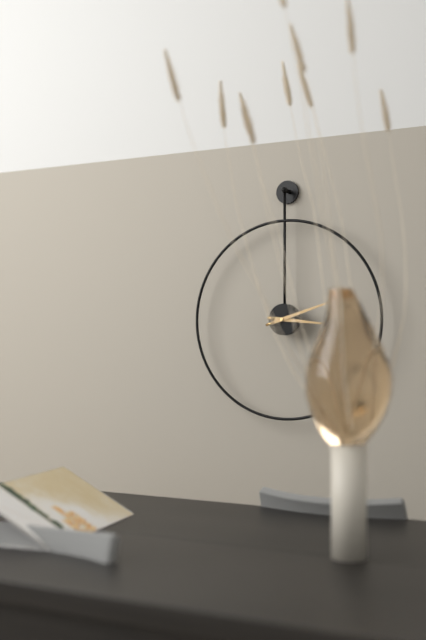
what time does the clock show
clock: 3:12
